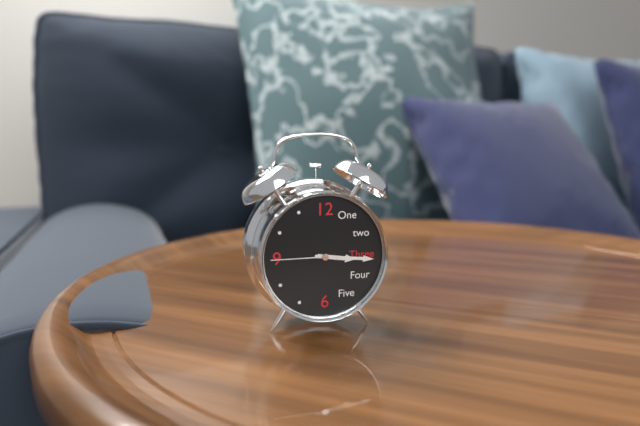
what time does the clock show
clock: 3:16:45
